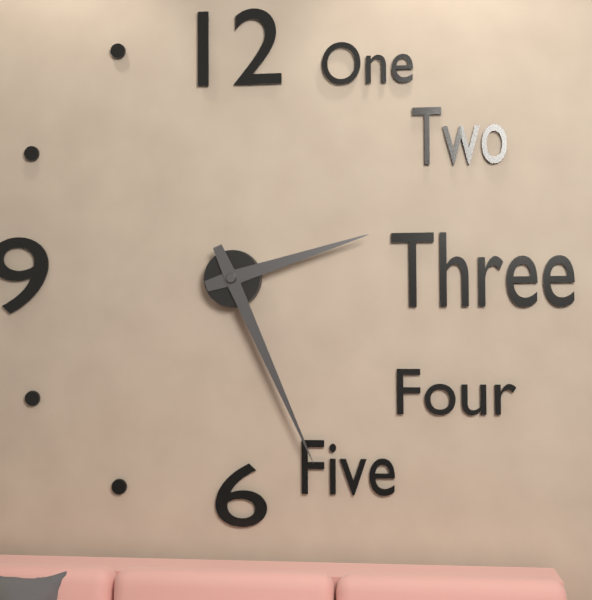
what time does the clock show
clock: 2:26
